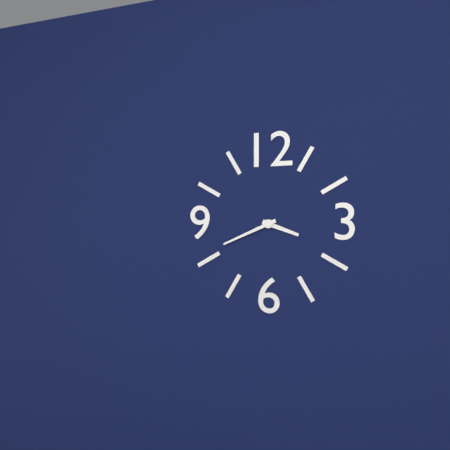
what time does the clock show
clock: 3:41
